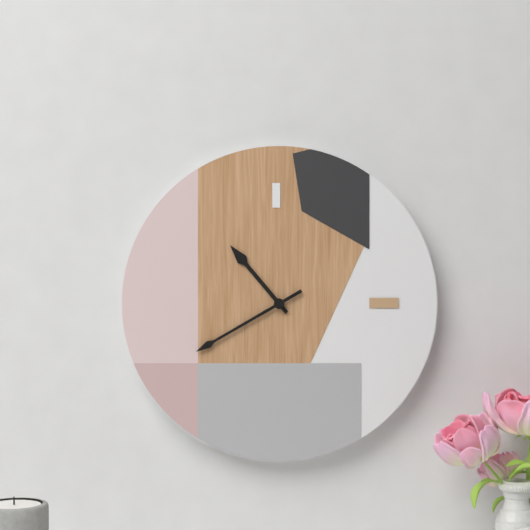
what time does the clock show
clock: 10:40
